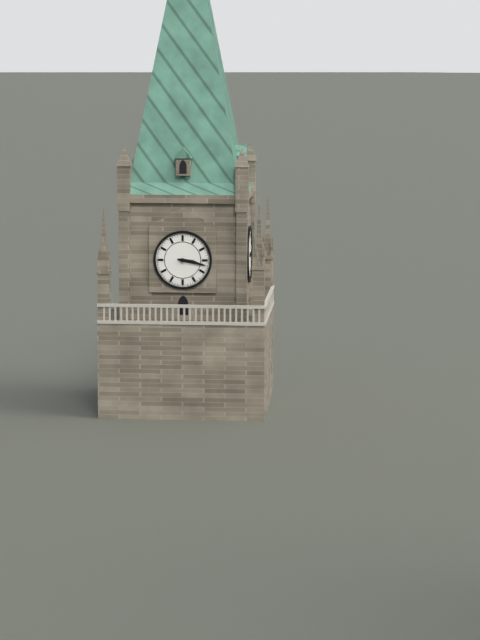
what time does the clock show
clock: 3:17
